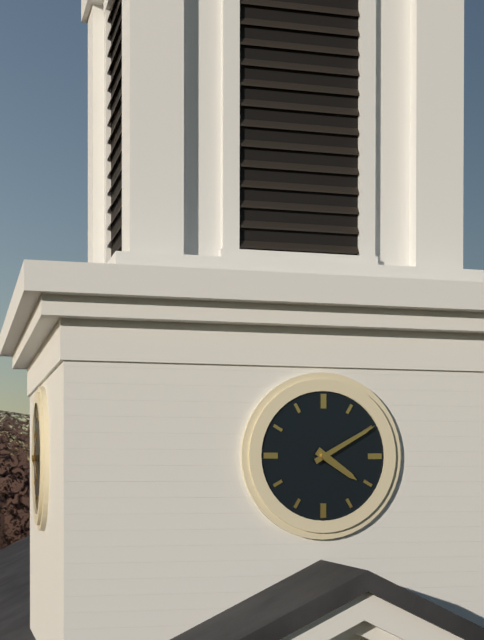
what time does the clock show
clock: 4:10
